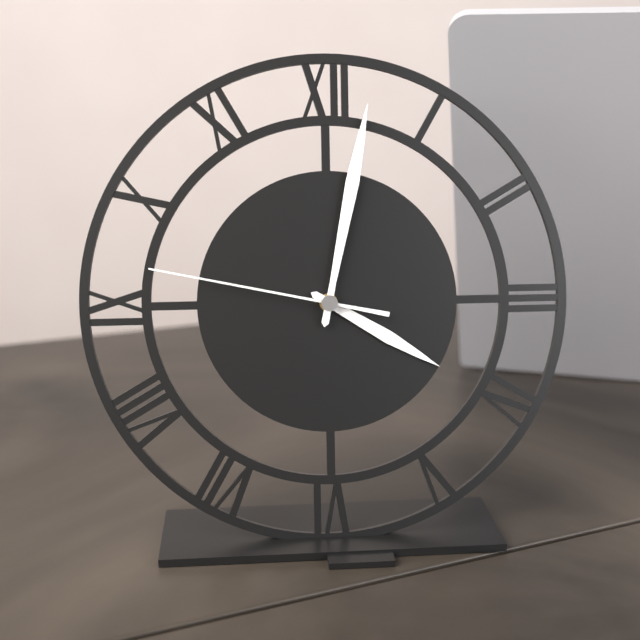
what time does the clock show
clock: 4:02:47
